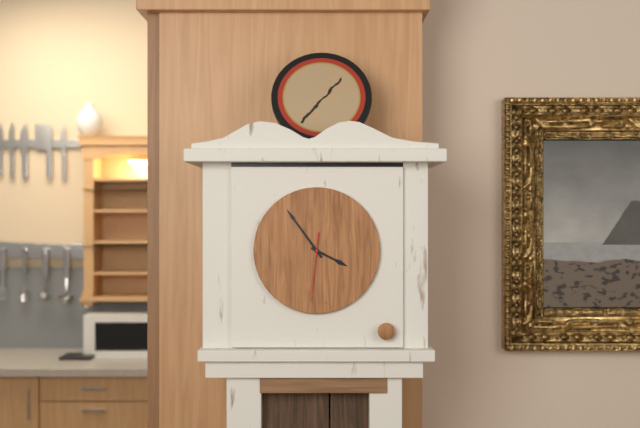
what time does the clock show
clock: 3:54:31
